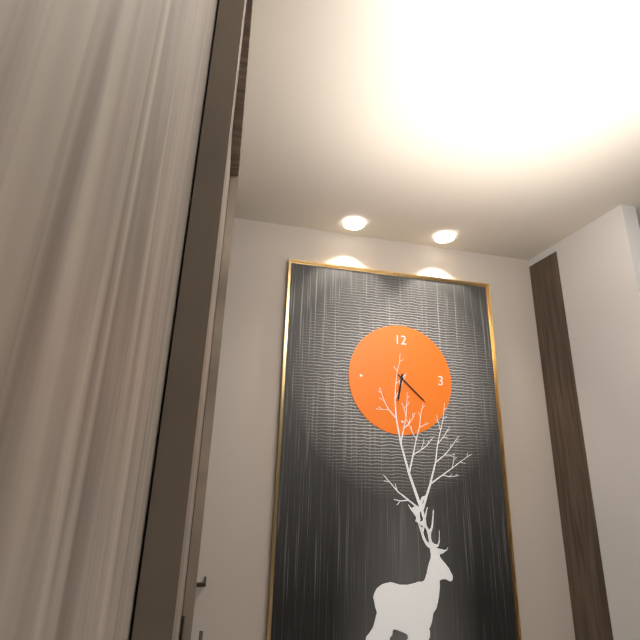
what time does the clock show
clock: 6:22
